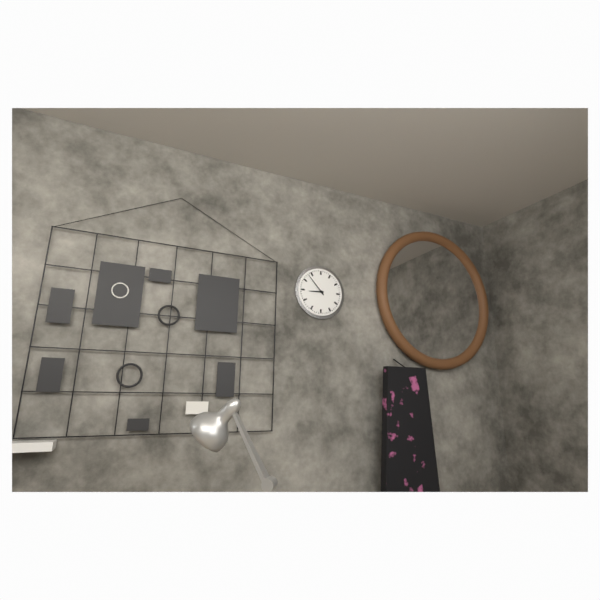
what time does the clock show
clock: 8:53
